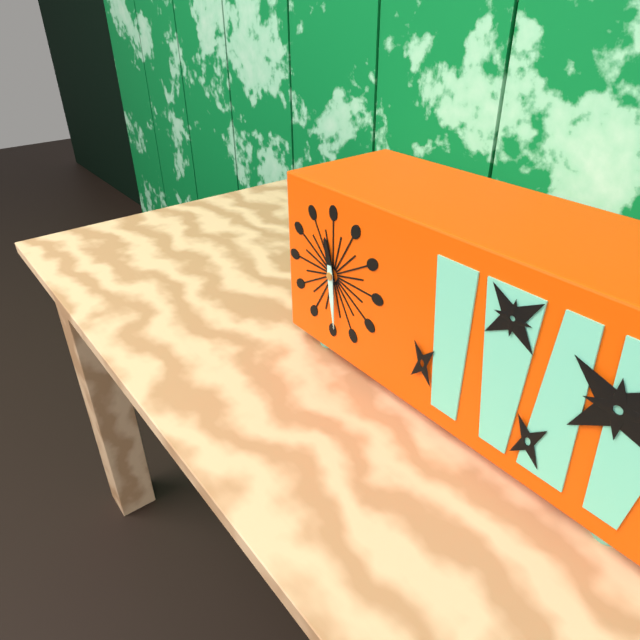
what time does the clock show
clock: 11:29
